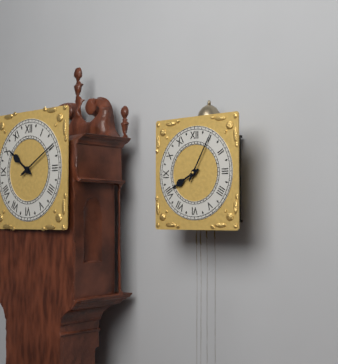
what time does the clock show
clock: 8:05
